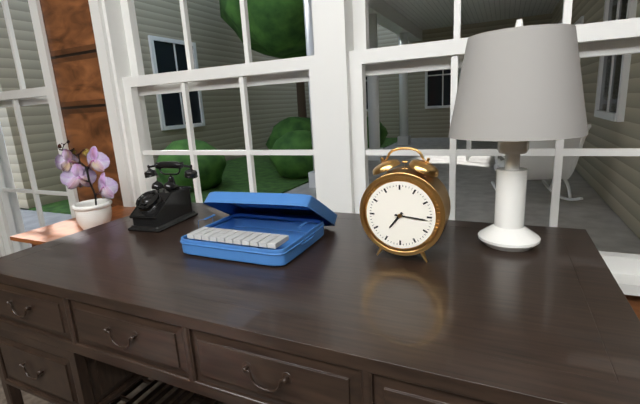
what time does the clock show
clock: 7:16
